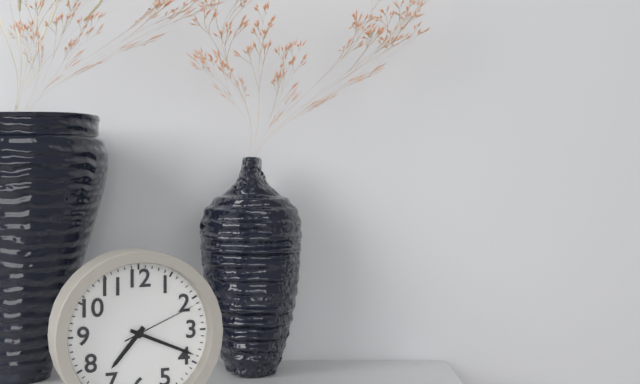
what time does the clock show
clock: 7:19:11
